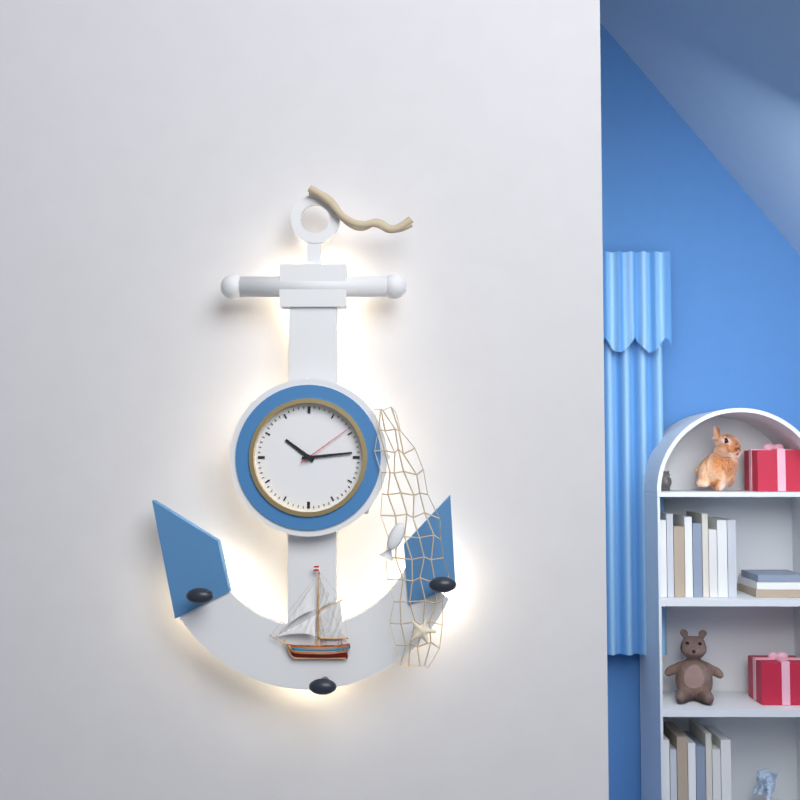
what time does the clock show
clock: 10:14:09
